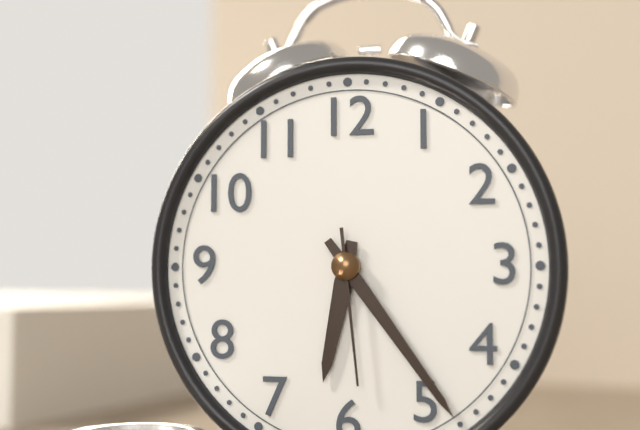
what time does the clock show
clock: 6:24:29
